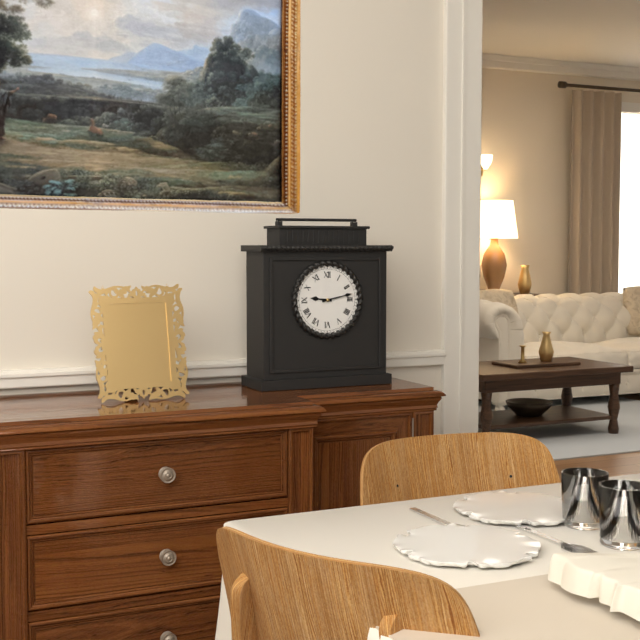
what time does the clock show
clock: 9:13
